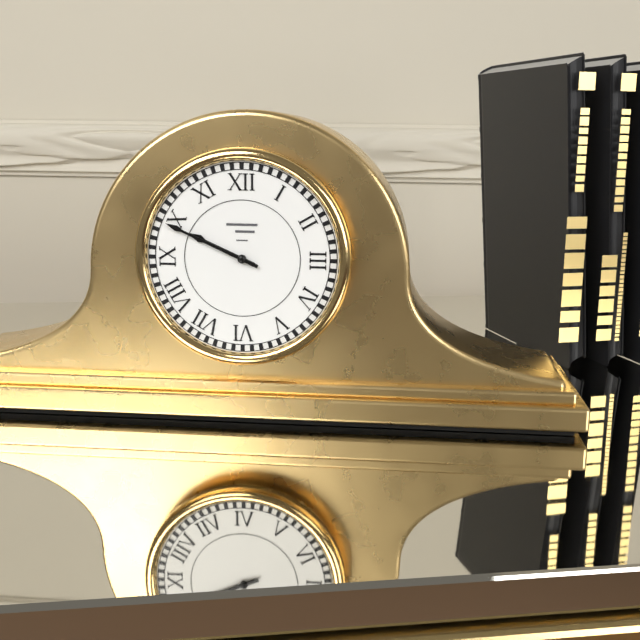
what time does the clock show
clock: 9:49
